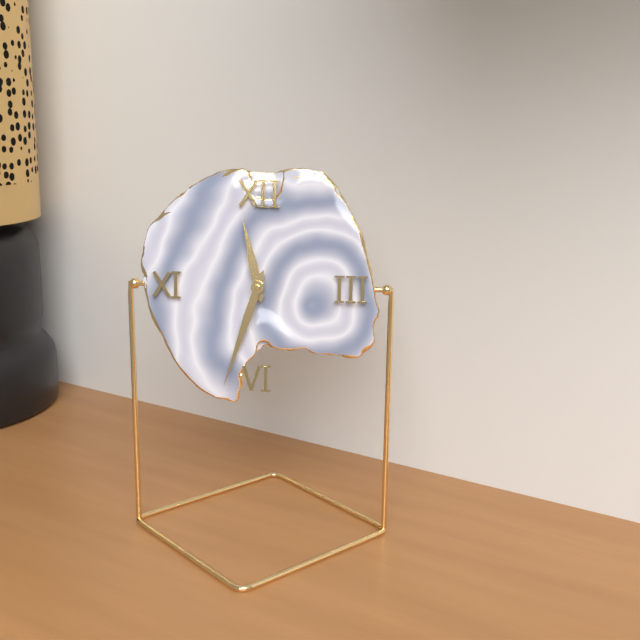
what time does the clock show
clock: 11:33
